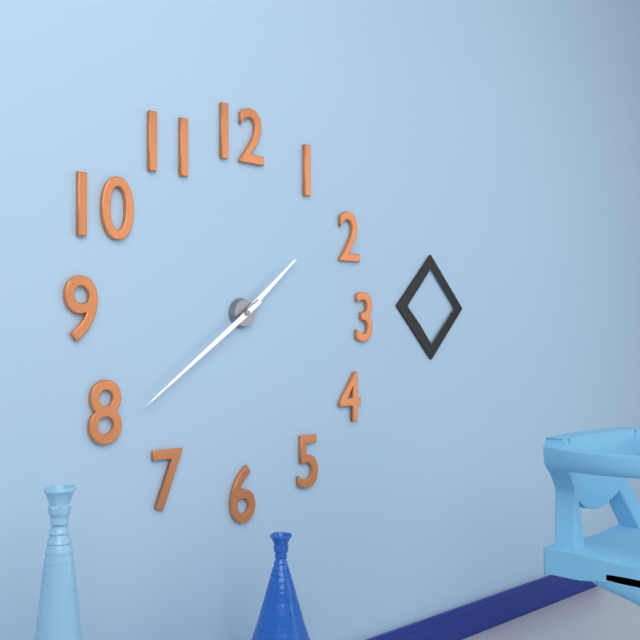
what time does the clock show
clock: 1:39
